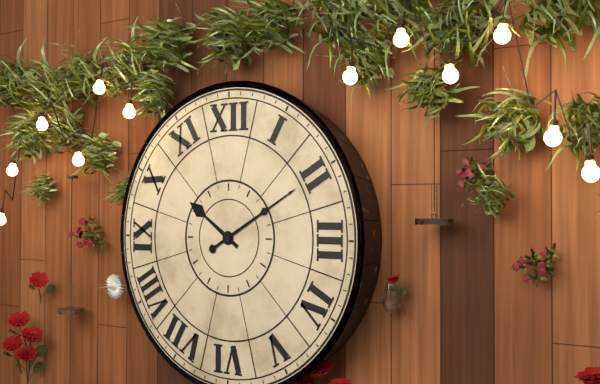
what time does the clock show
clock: 10:10
